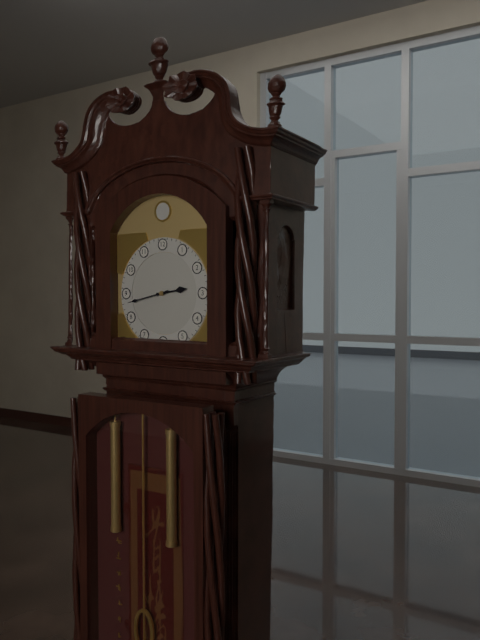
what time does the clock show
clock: 2:43
